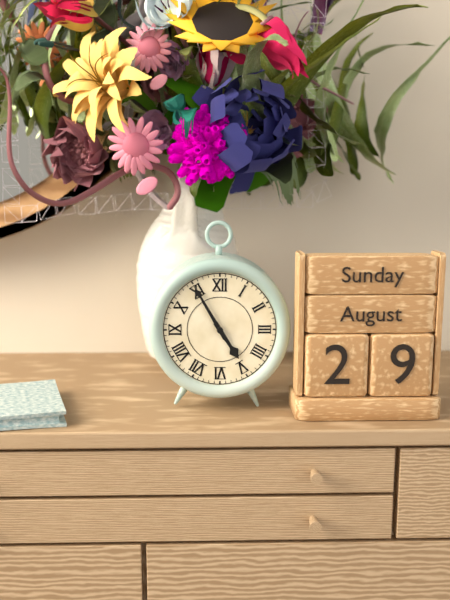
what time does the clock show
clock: 4:55
